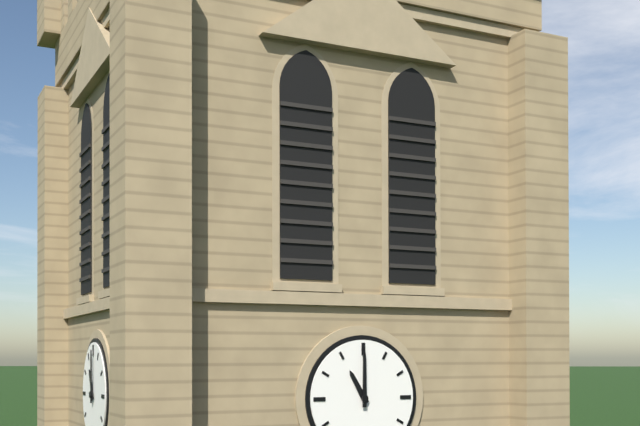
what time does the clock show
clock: 11:00
